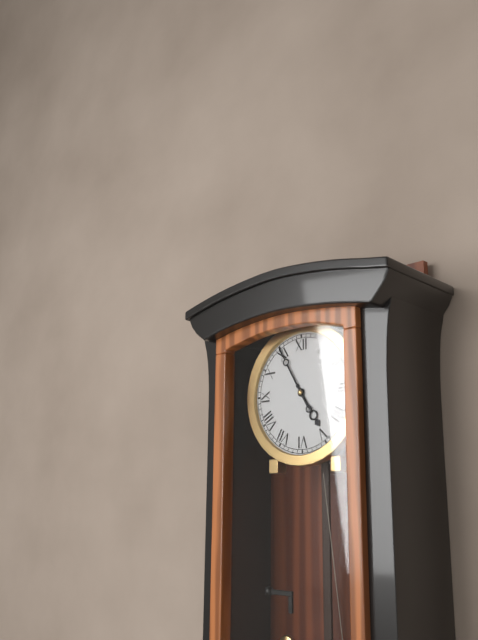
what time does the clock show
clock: 4:55
